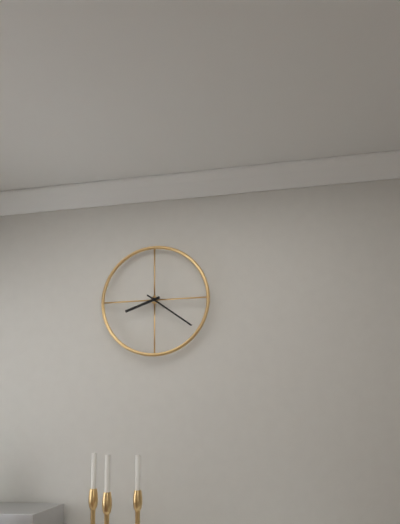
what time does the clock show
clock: 8:21
